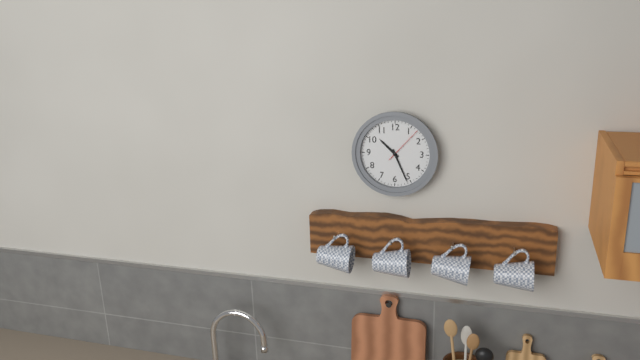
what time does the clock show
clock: 10:26
